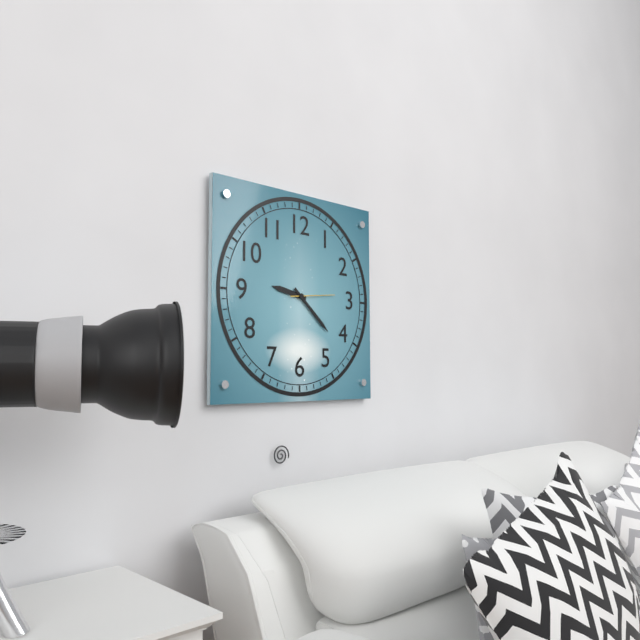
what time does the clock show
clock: 9:22
